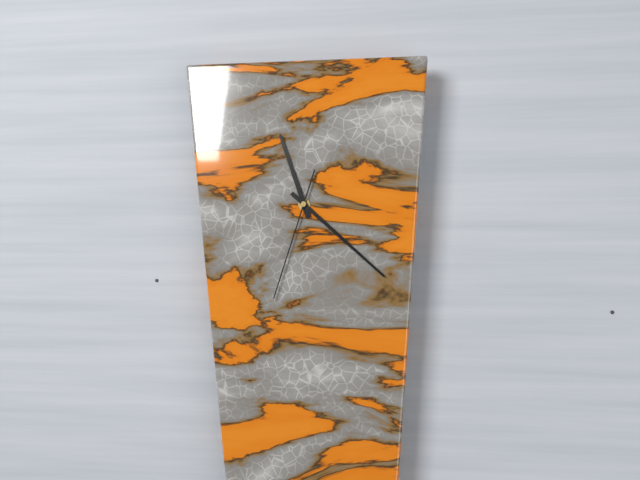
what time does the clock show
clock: 11:22:33
